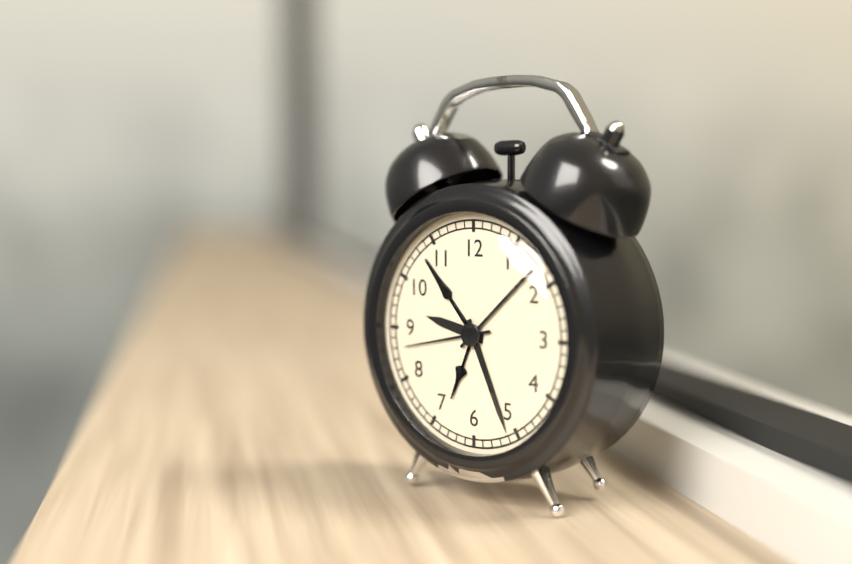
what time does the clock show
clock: 9:26:43
